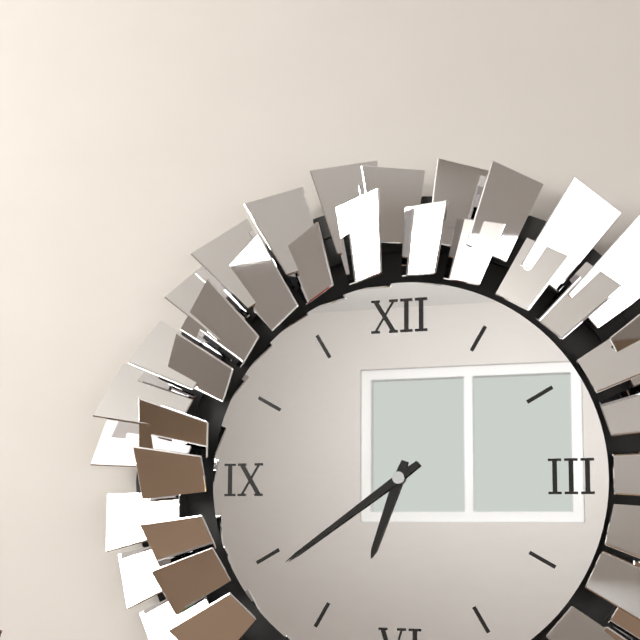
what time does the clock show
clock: 6:39
